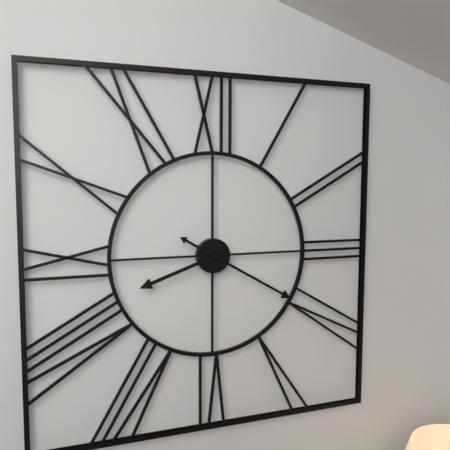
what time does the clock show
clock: 8:20
